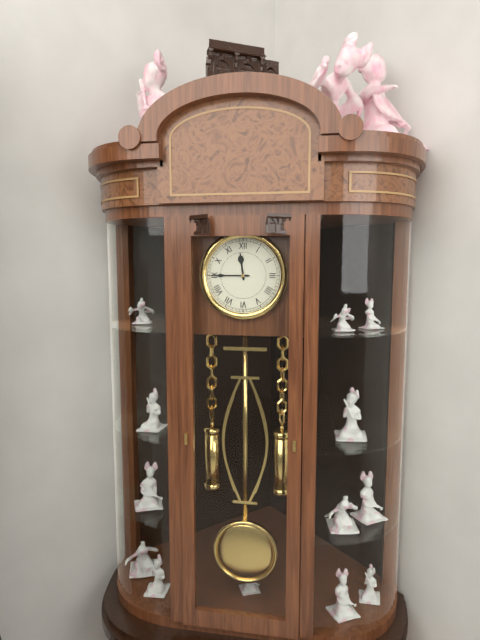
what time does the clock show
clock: 11:45
